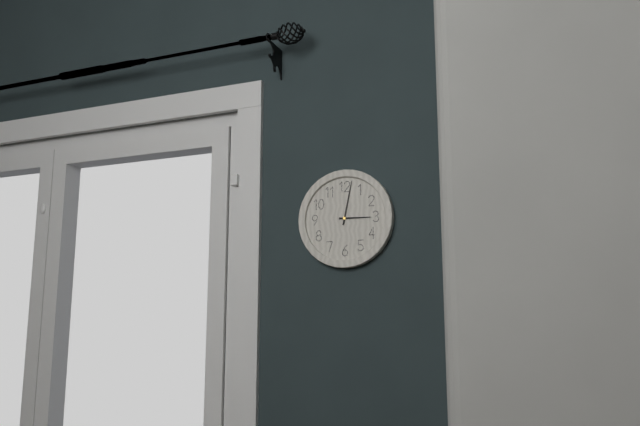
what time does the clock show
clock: 3:02
